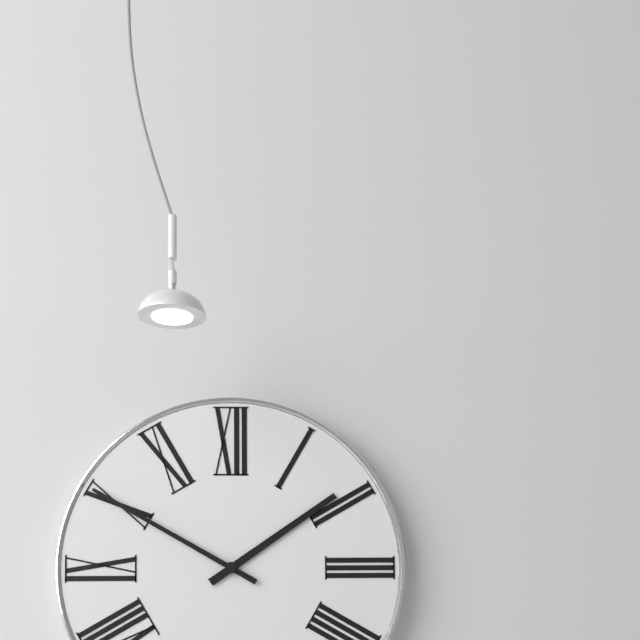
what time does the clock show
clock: 1:50
